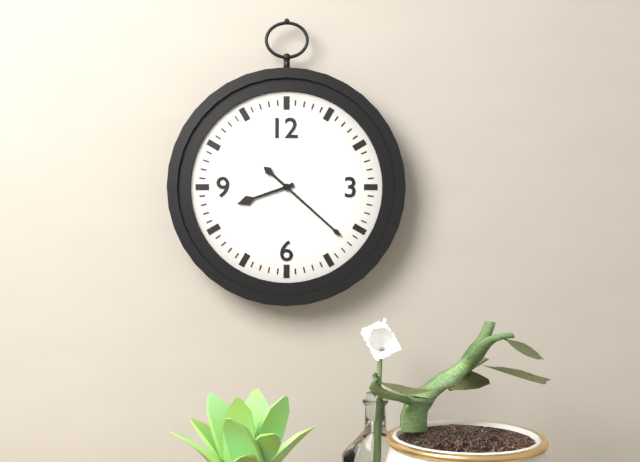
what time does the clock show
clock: 8:22
